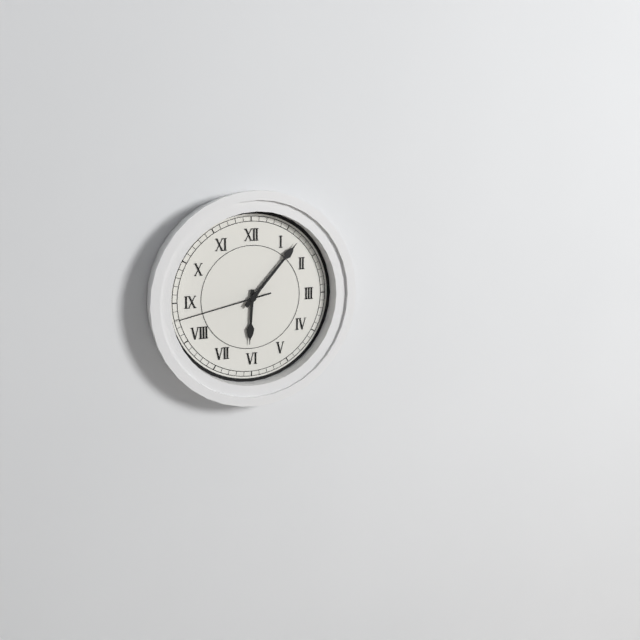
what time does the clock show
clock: 6:07:43
